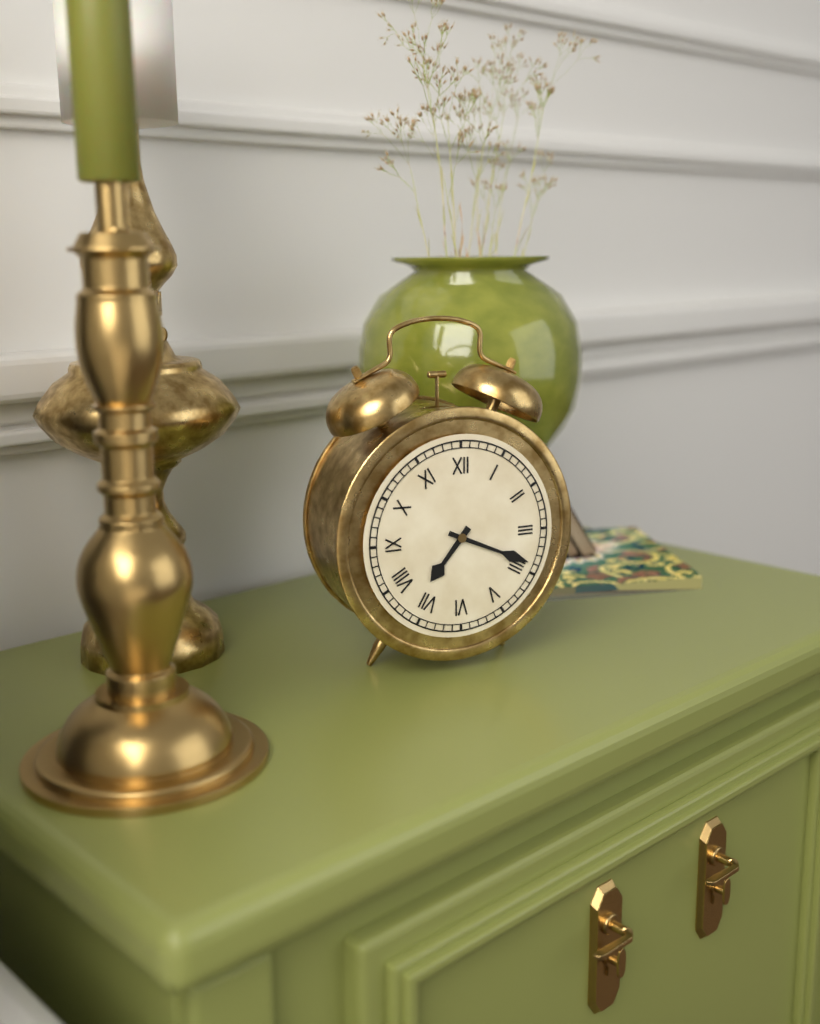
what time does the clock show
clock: 7:19
